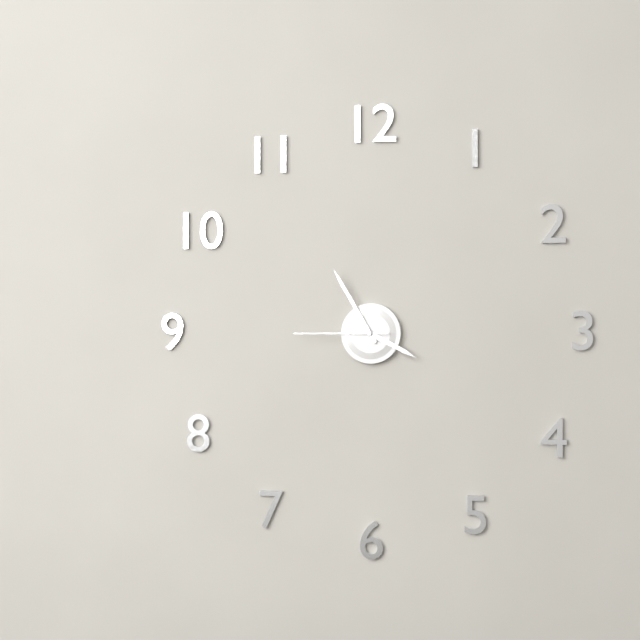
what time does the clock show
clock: 3:55:45
